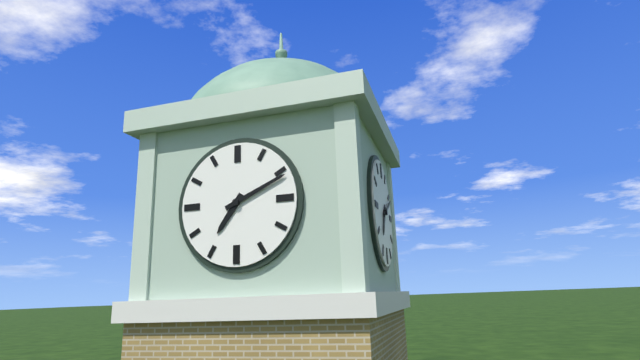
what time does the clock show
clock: 7:11
